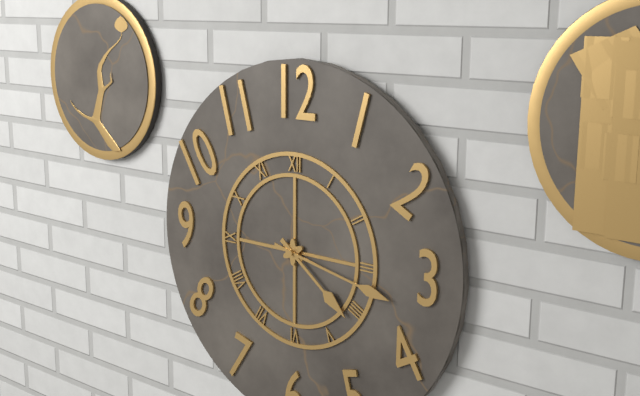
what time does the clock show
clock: 4:17
